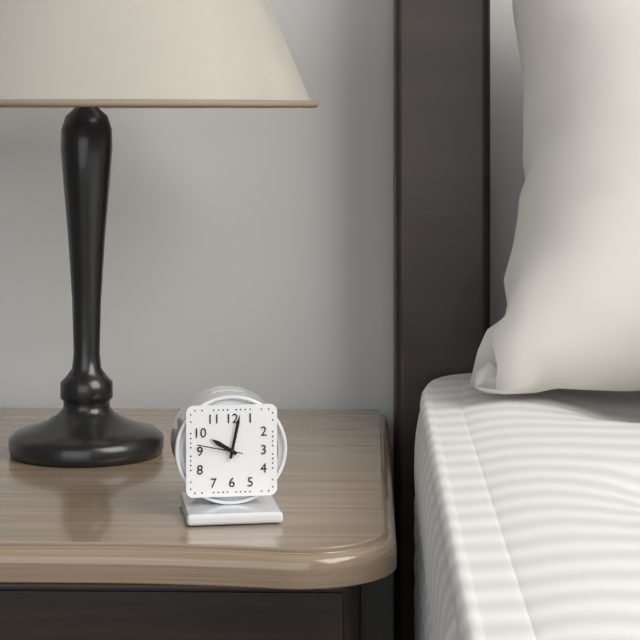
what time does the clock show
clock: 10:02
